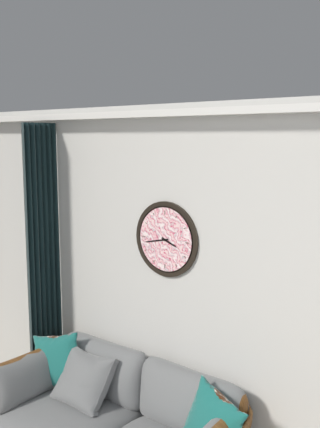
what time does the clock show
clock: 3:43
